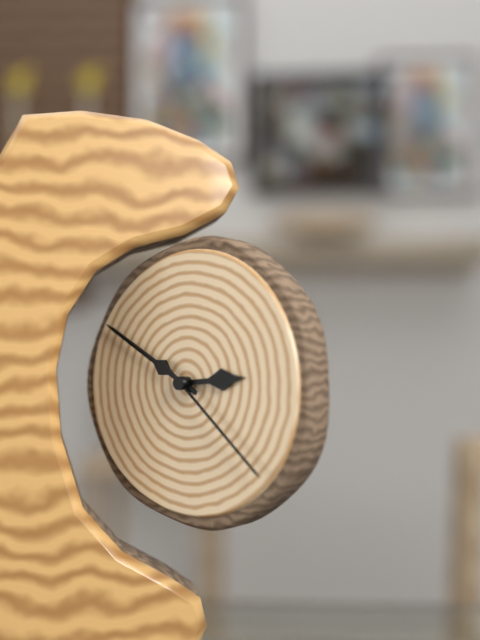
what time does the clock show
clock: 2:50:22
